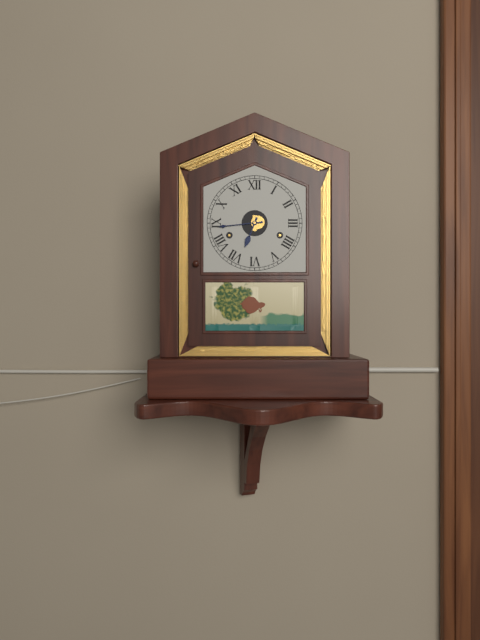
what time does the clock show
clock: 6:44
